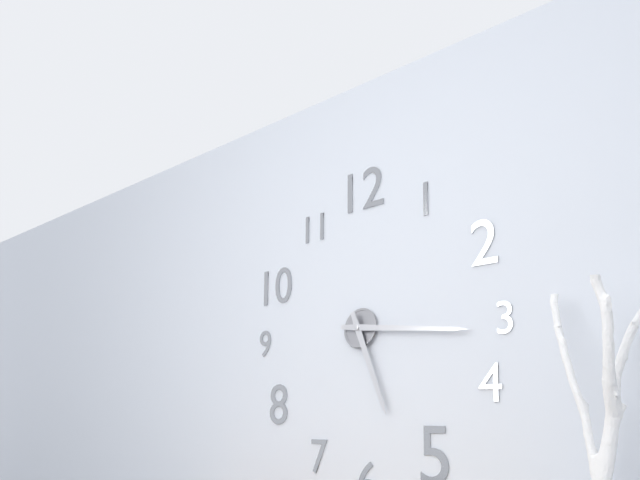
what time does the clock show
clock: 5:16
